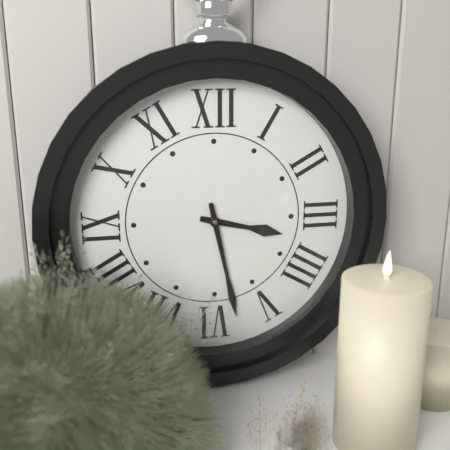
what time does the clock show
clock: 3:28
